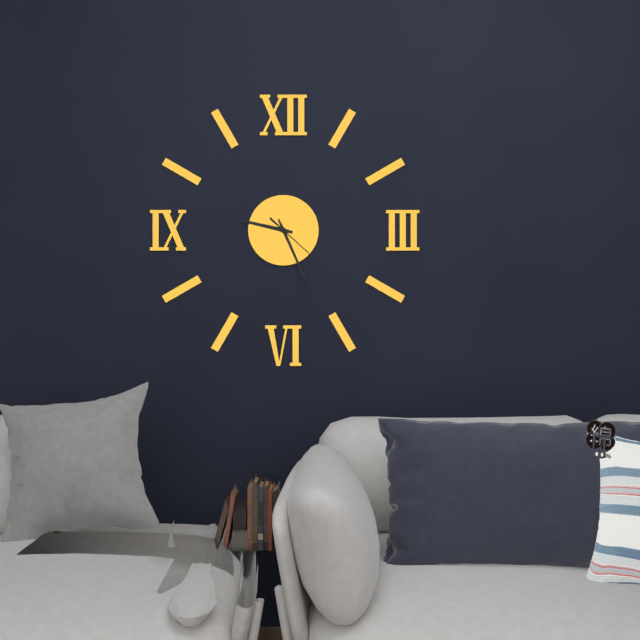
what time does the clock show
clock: 9:26:22
